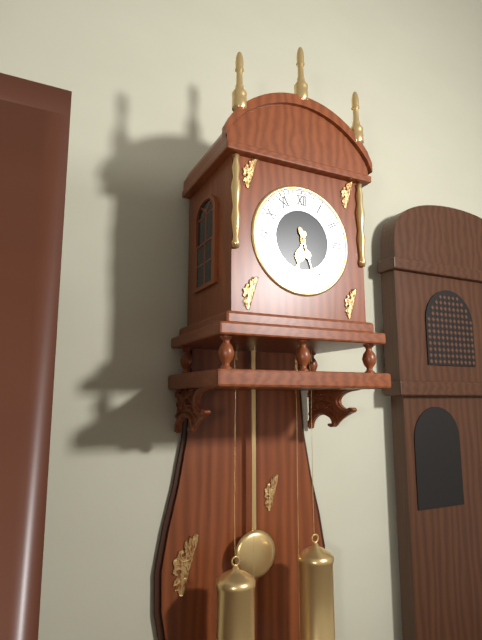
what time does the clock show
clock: 6:27
